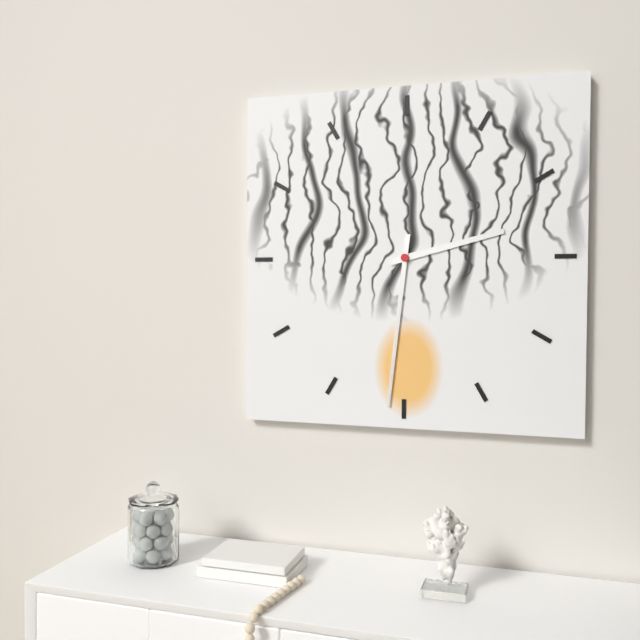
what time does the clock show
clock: 2:31
